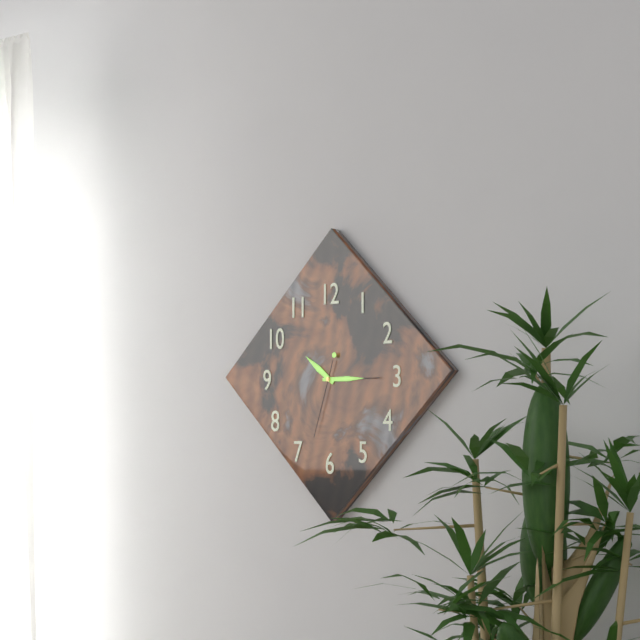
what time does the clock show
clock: 10:15:33
